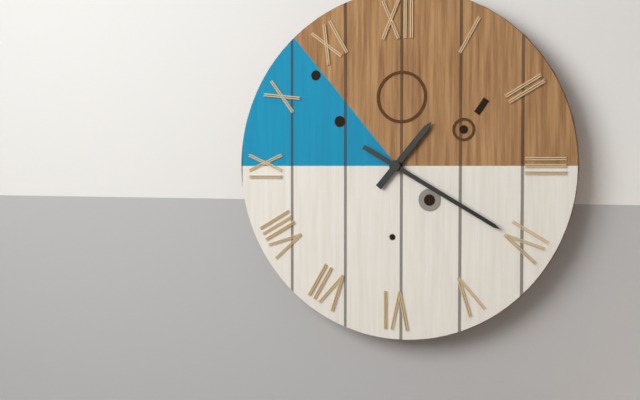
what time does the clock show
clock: 1:20
